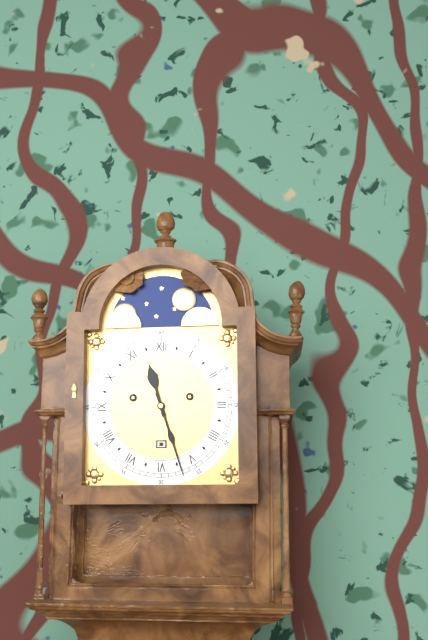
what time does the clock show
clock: 11:27
